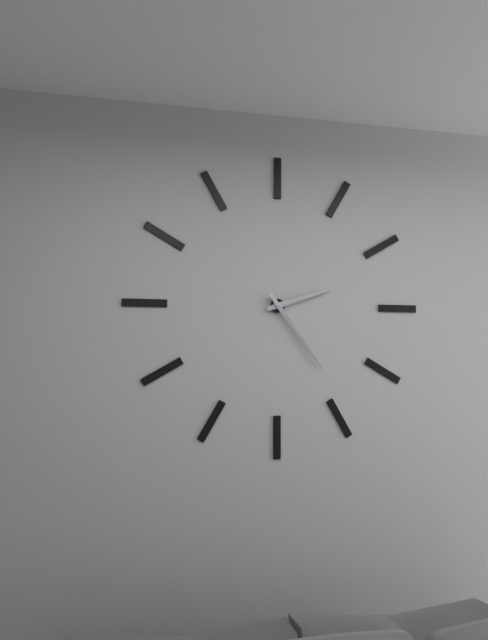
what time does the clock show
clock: 2:24
